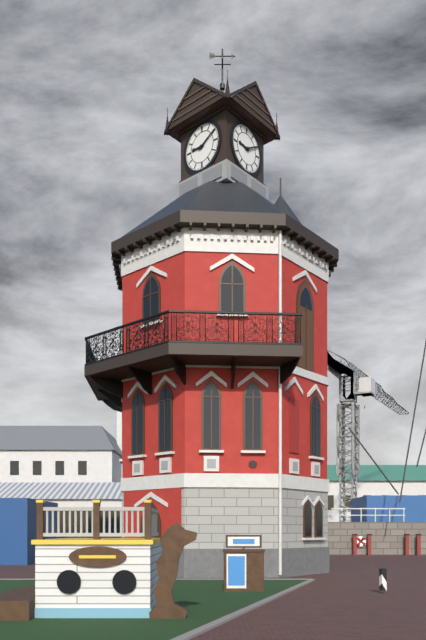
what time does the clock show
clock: 9:10
